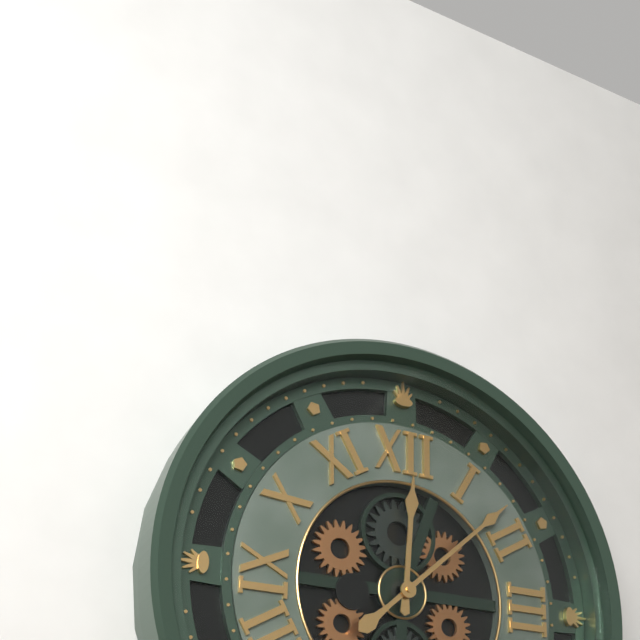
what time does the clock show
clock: 12:08
